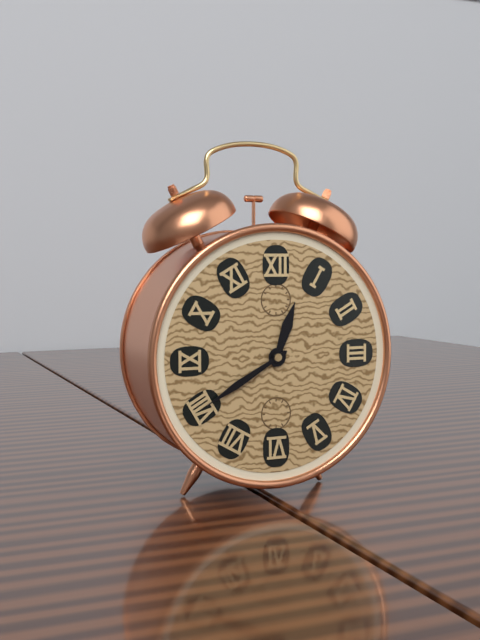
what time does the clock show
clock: 12:40
